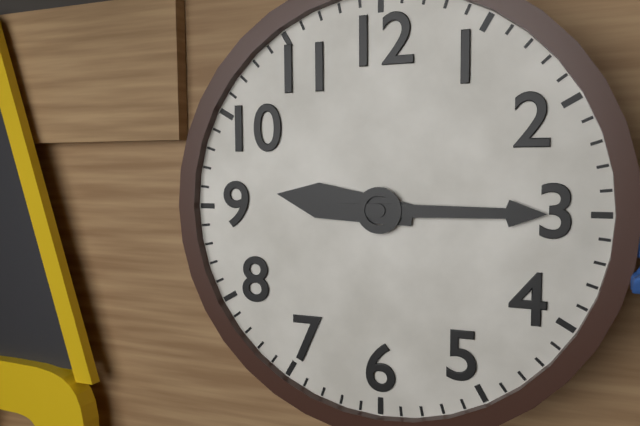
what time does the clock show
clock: 9:15
